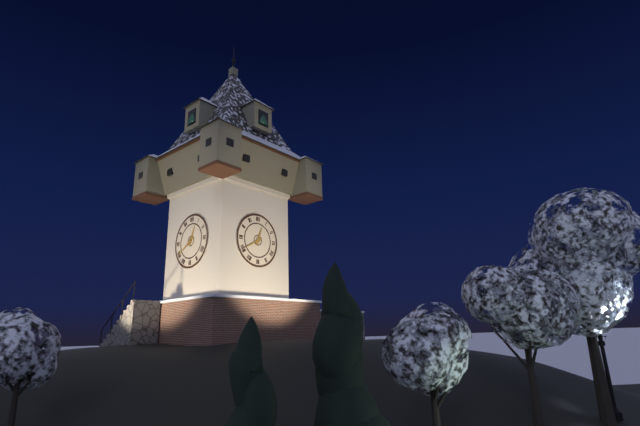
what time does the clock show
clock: 12:40
